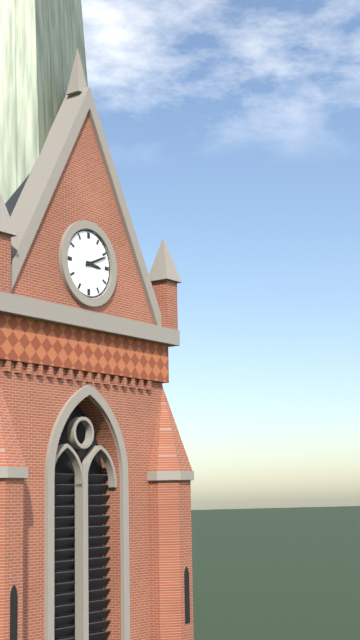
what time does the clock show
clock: 3:11
